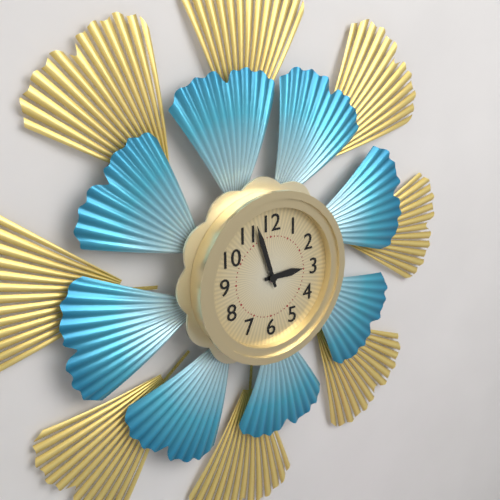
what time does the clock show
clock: 2:57
